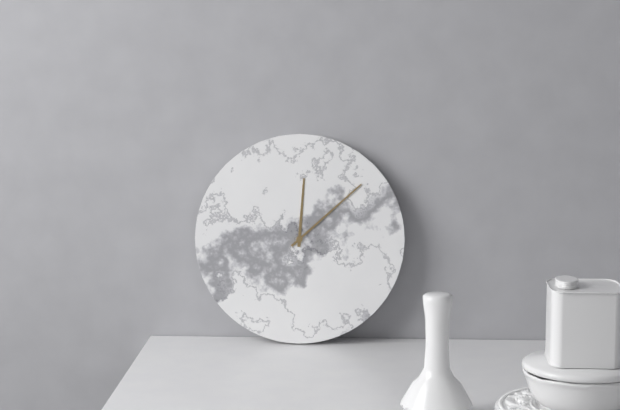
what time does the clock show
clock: 12:08
